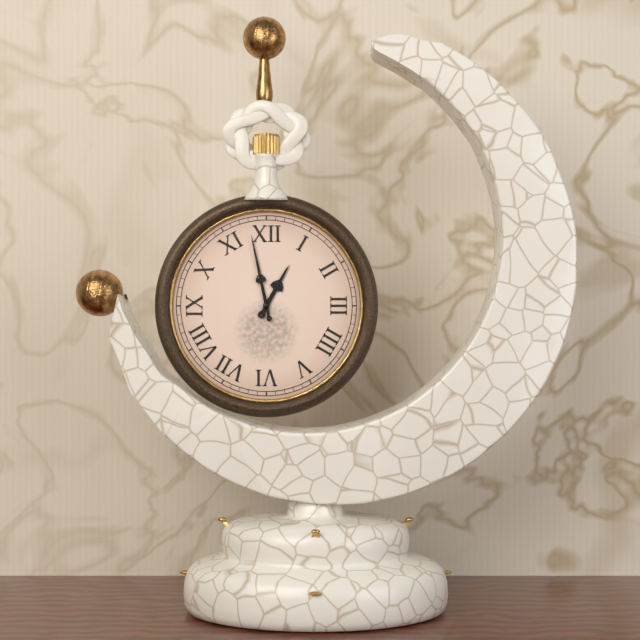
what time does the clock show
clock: 12:58
